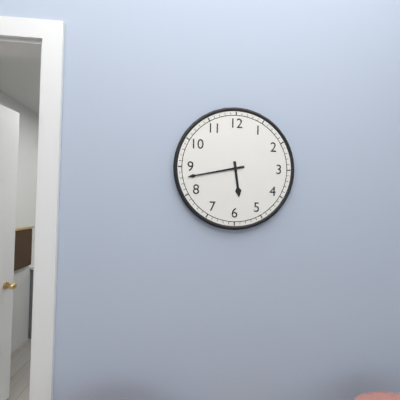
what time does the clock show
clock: 5:43
